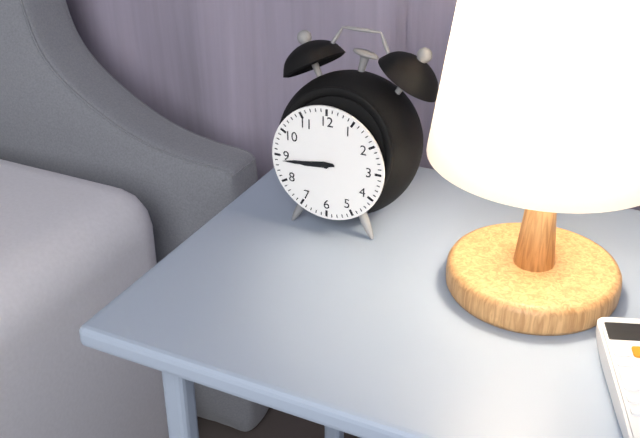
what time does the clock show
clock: 8:44
